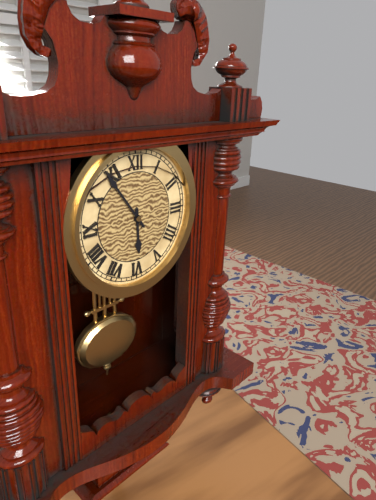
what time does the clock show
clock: 5:54
